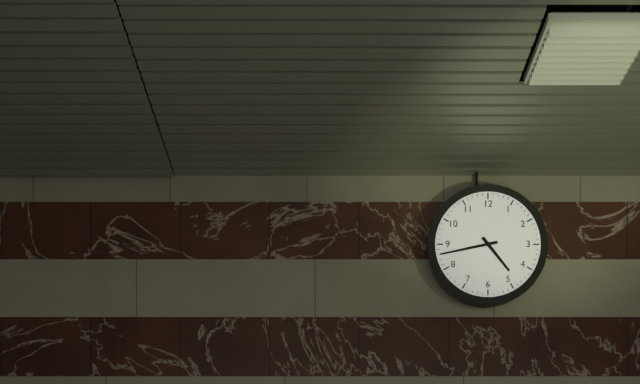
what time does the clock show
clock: 4:43
